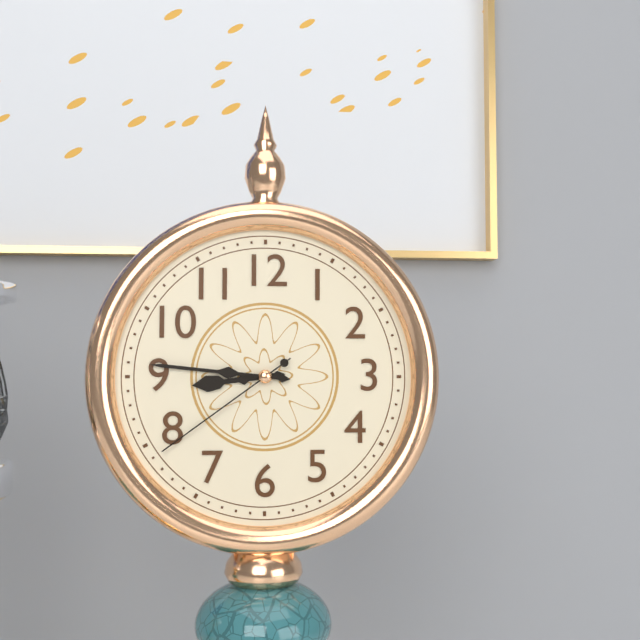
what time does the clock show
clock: 8:46:39
